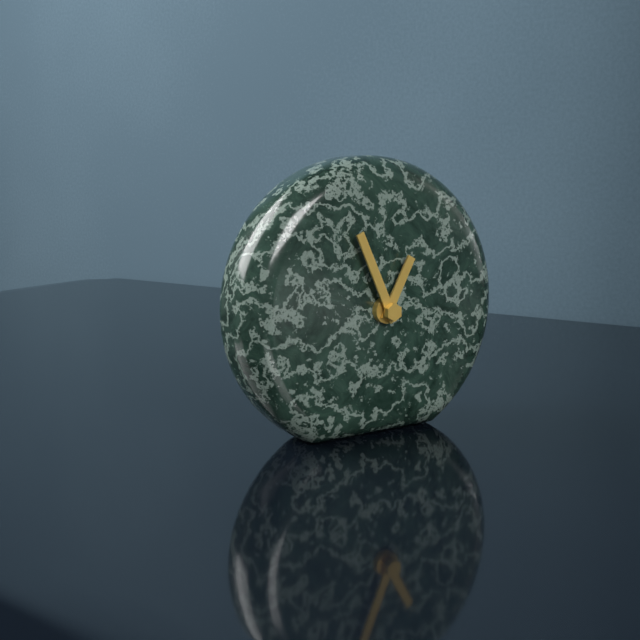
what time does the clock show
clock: 12:56
